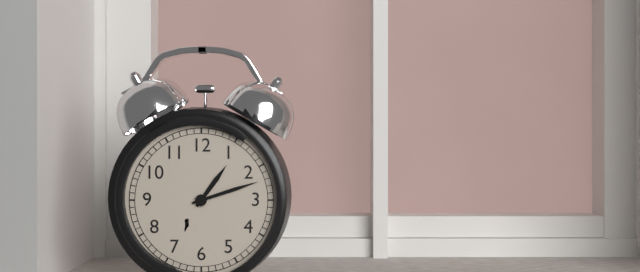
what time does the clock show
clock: 1:12
